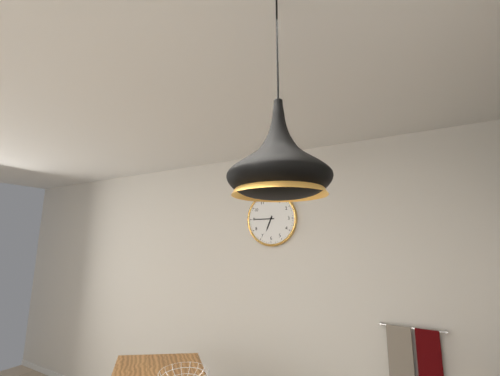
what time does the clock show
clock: 6:45
